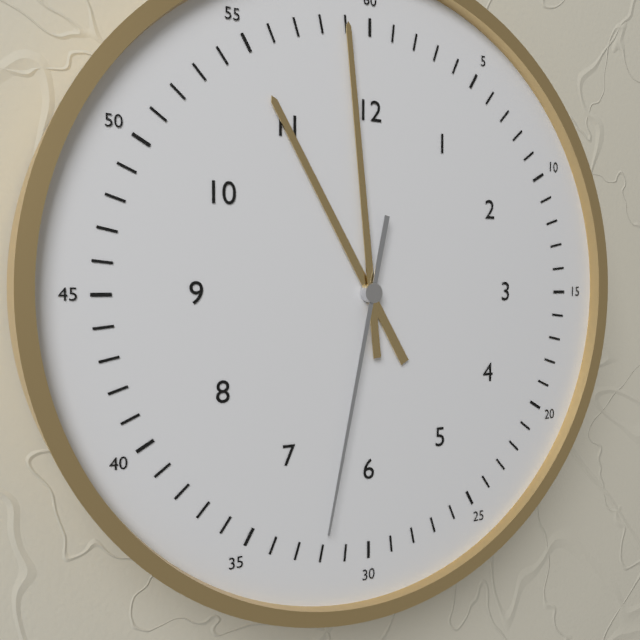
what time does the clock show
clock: 10:59:32
